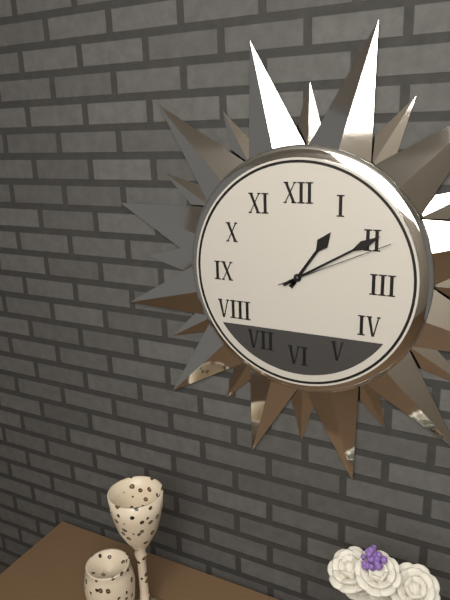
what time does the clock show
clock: 1:10:11
